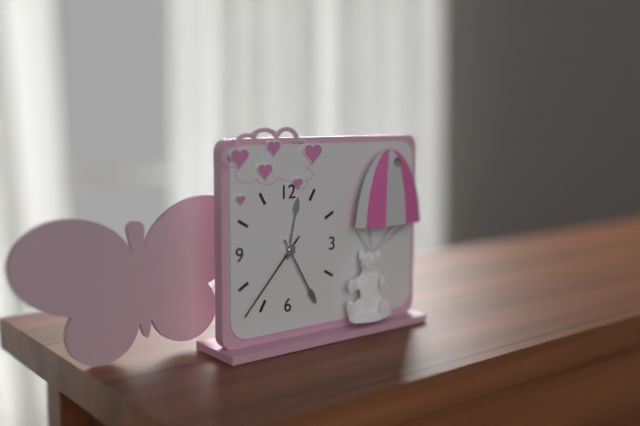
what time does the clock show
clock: 12:25:37
